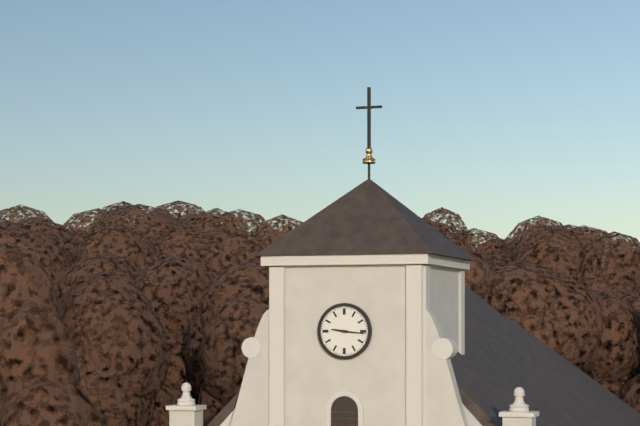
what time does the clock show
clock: 9:16
